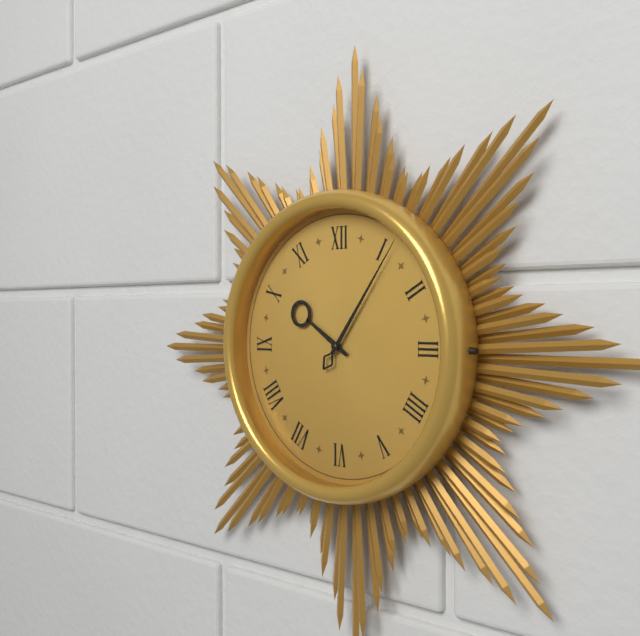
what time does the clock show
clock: 10:06
